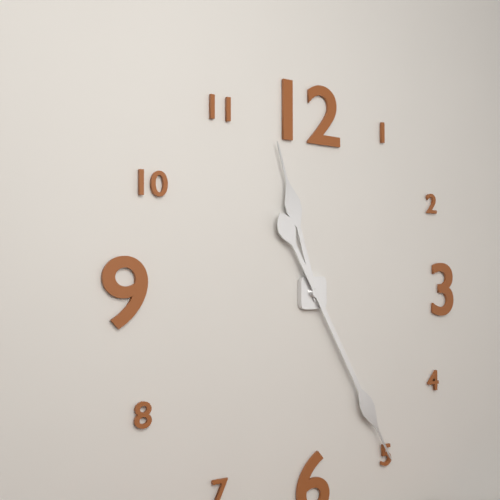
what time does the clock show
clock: 11:25
